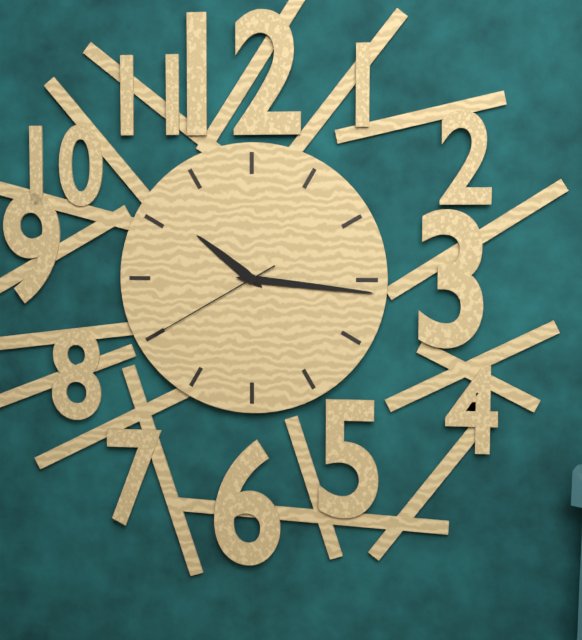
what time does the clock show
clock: 10:16:40
